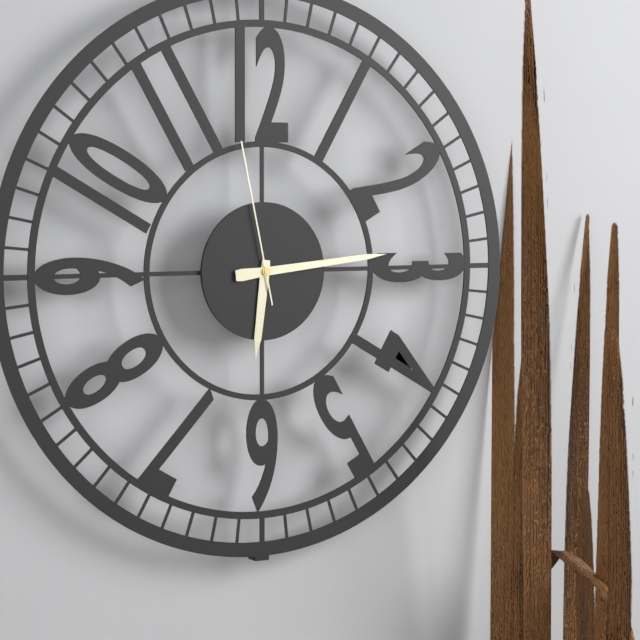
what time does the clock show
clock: 6:14:58
